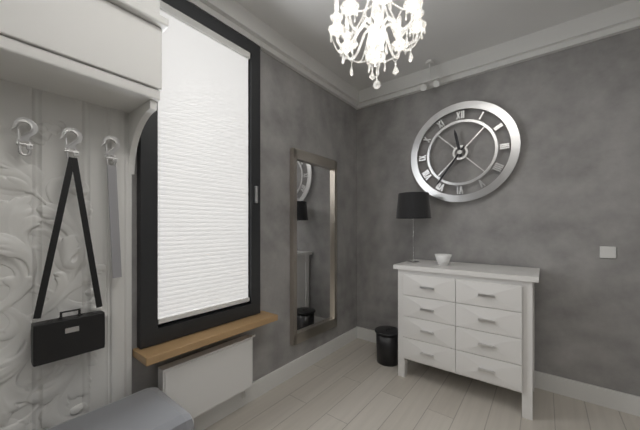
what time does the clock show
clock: 11:36
